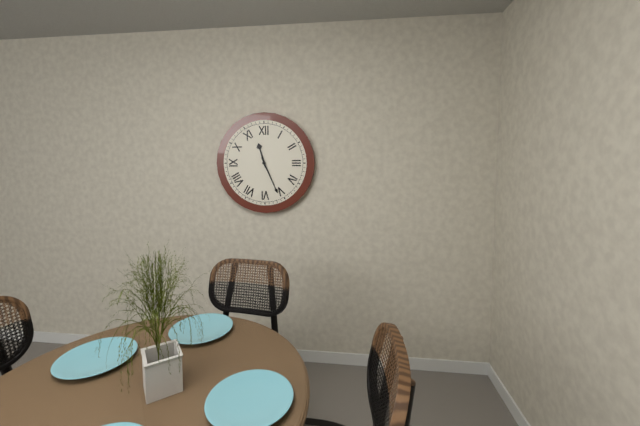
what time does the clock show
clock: 11:26
